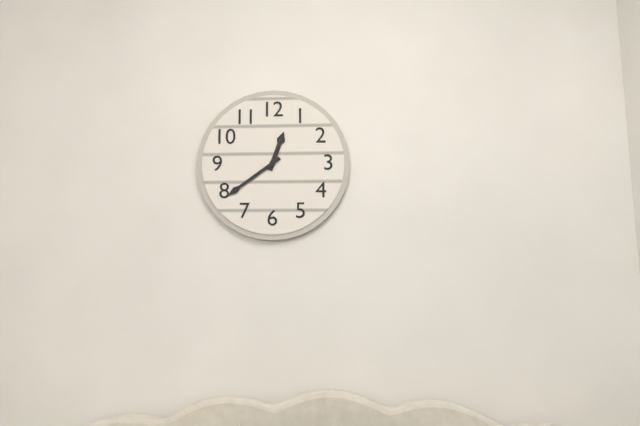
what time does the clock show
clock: 12:39
